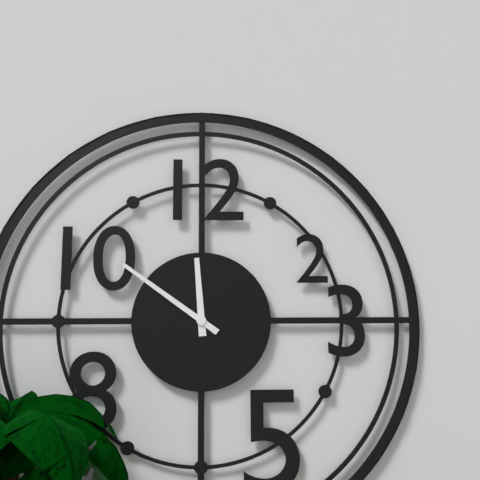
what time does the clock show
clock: 11:51
